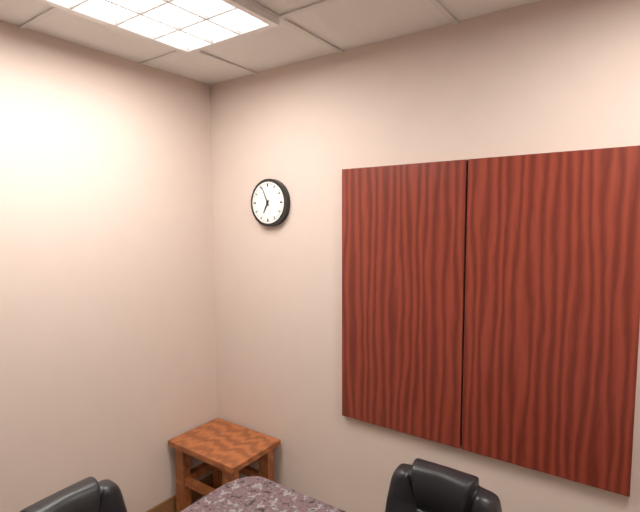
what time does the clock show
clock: 6:56
